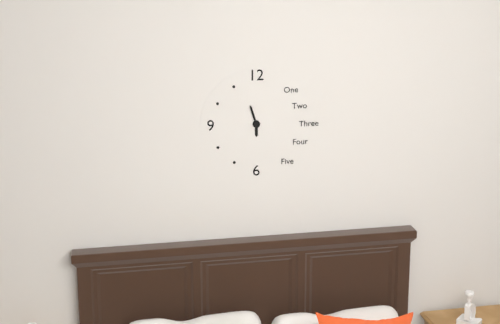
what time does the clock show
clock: 5:57
